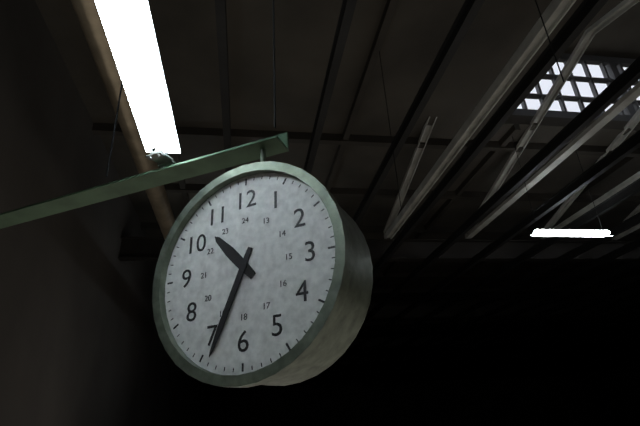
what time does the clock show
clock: 10:34
